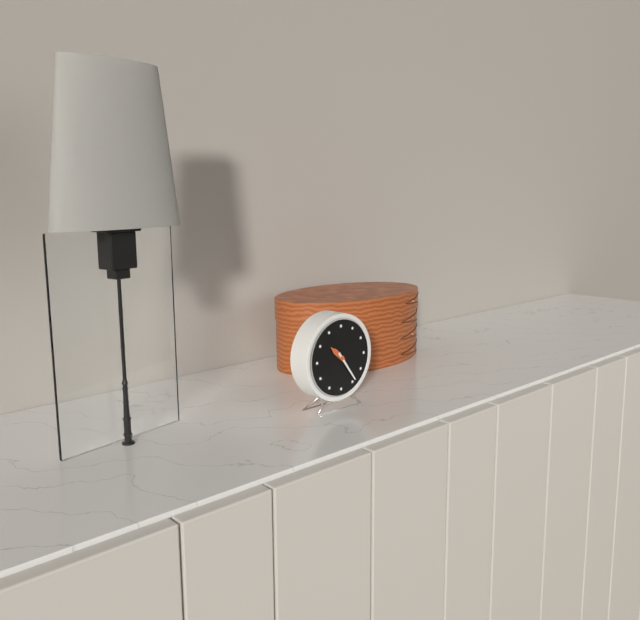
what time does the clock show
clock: 10:24
